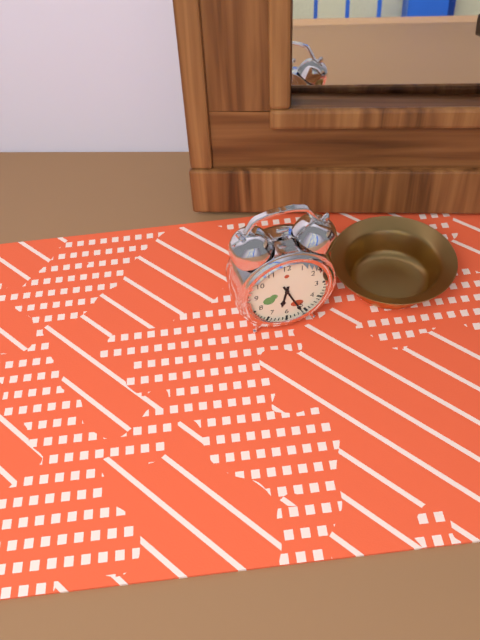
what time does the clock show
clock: 6:26
